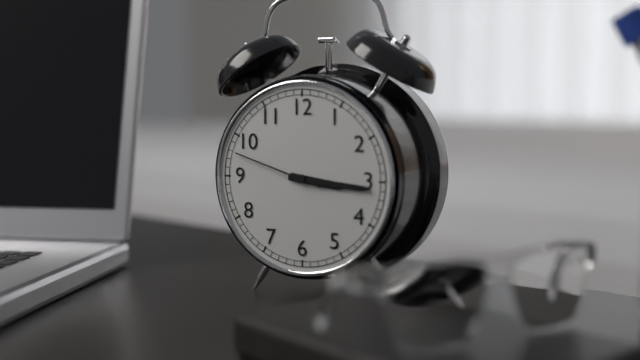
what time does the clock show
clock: 3:16:48
